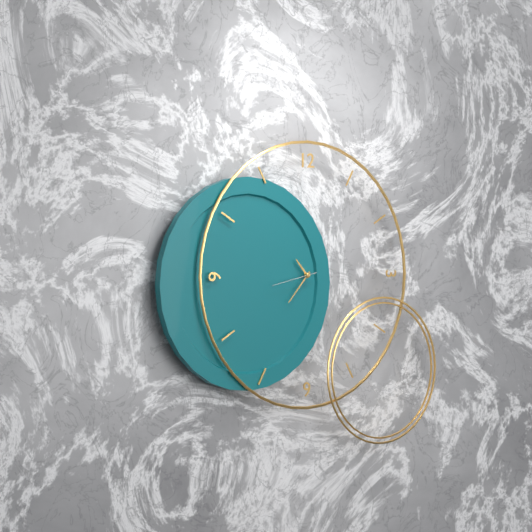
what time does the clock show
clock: 10:37
